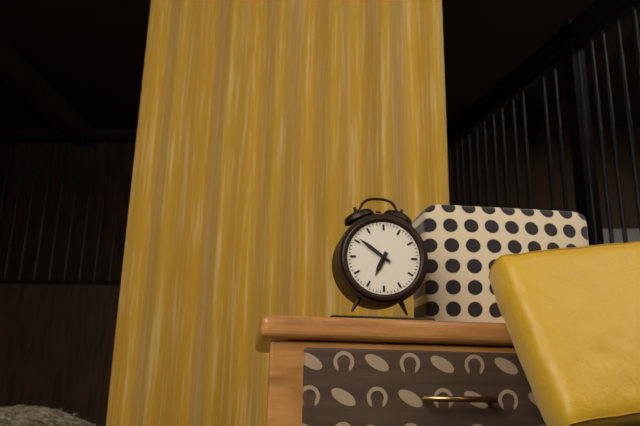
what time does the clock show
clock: 6:51
